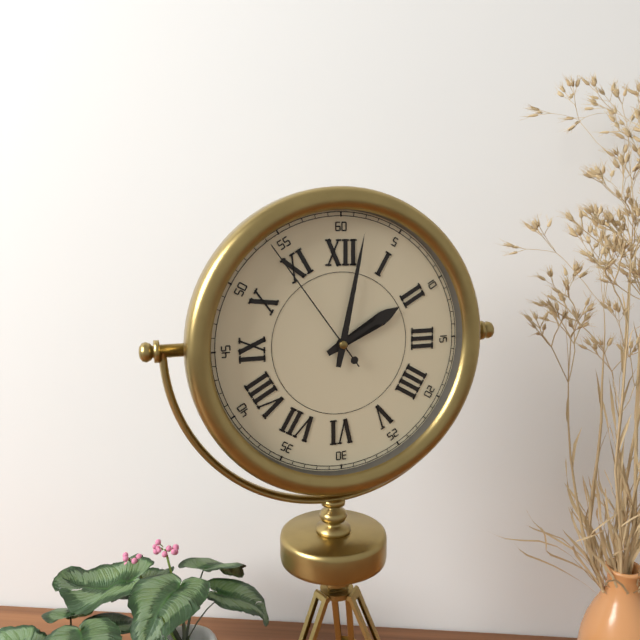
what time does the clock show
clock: 2:02:54
